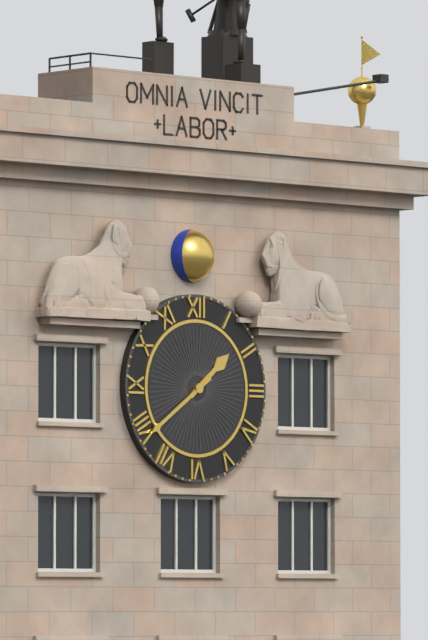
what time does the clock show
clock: 1:39
